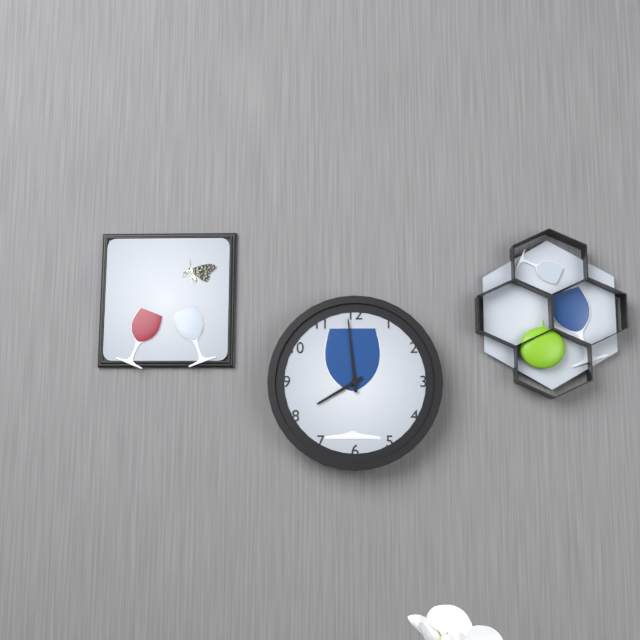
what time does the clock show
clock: 7:59
